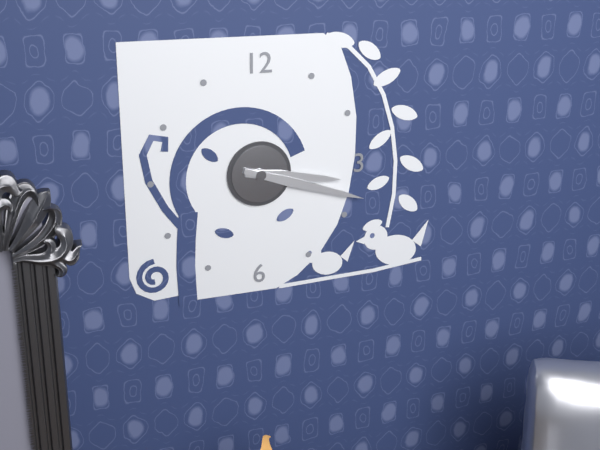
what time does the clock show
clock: 3:18
